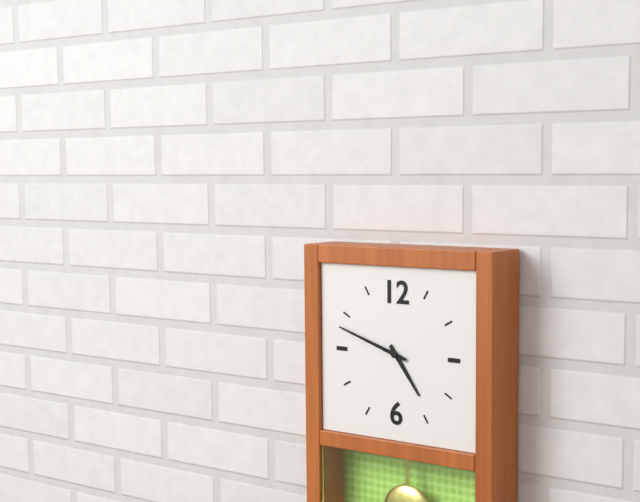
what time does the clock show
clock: 4:48
